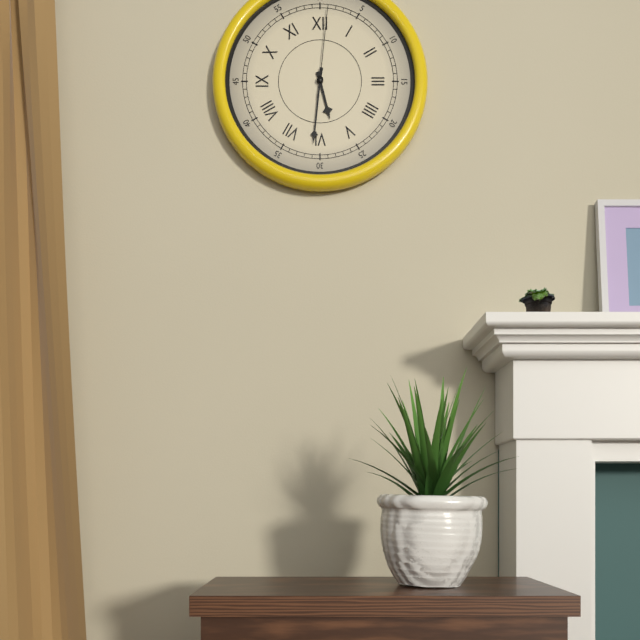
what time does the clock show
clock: 5:31:01
